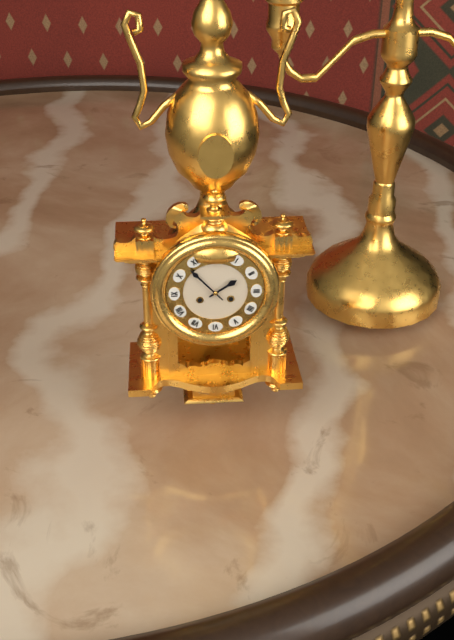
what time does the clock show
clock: 1:53
